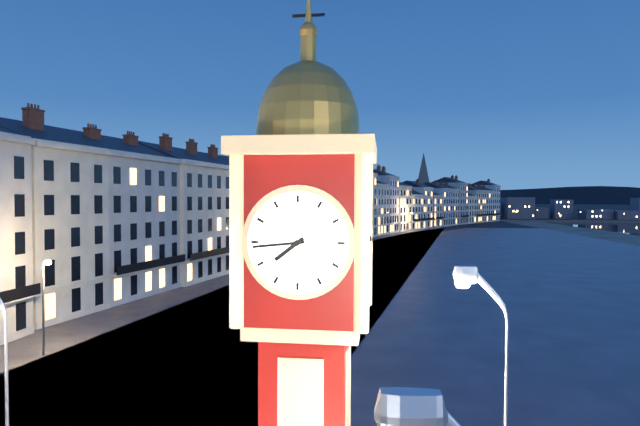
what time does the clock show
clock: 7:44
